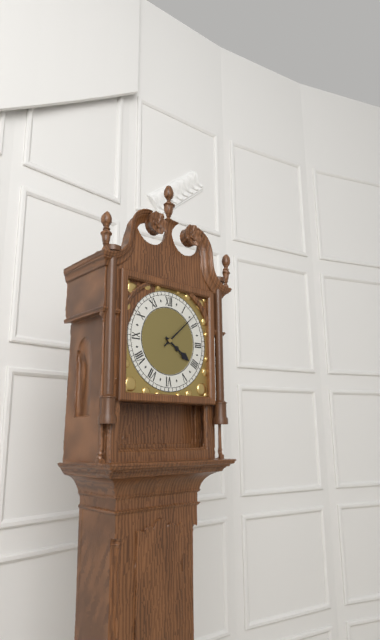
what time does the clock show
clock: 4:08
